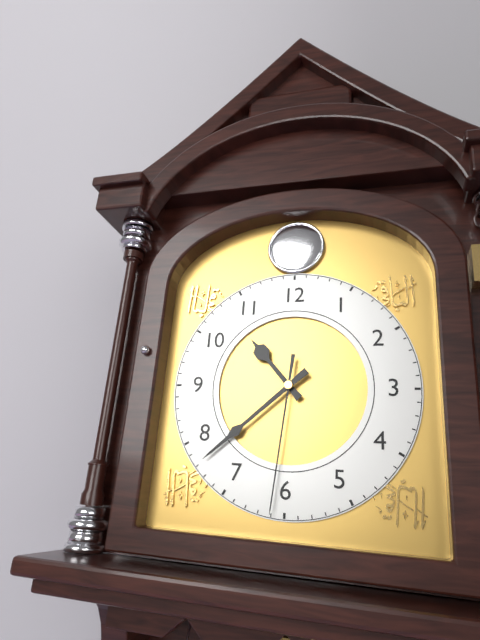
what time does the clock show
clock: 10:38:31
